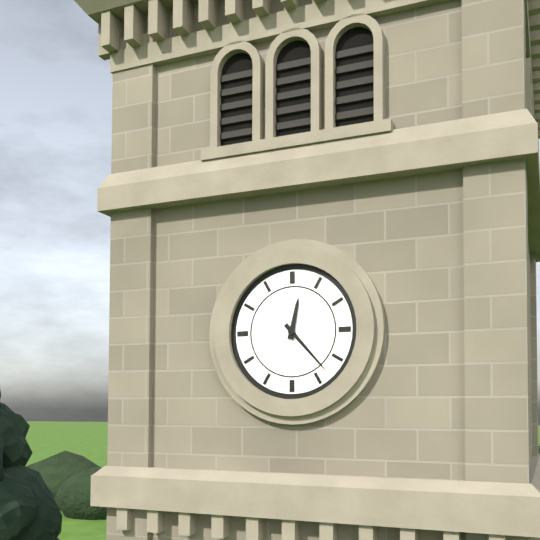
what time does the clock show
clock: 12:23
